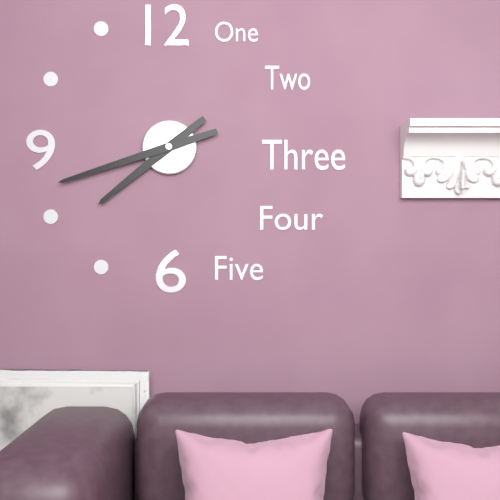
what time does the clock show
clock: 7:42
